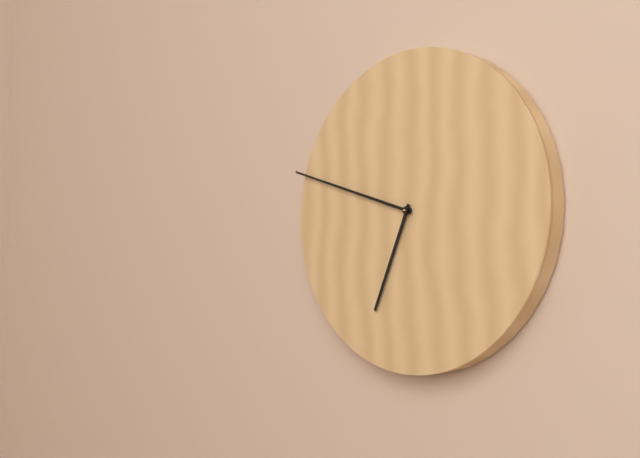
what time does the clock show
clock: 6:48
